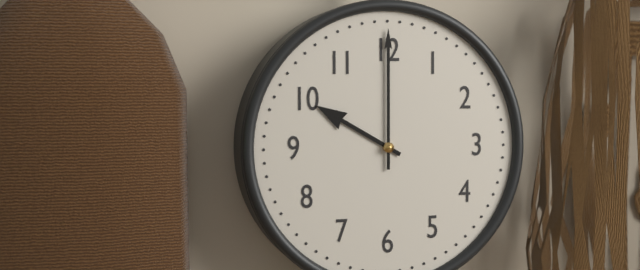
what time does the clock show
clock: 10:00
